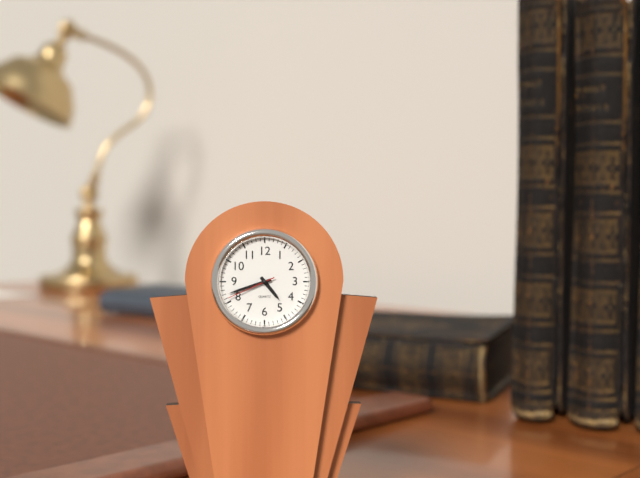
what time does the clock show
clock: 4:42:41
